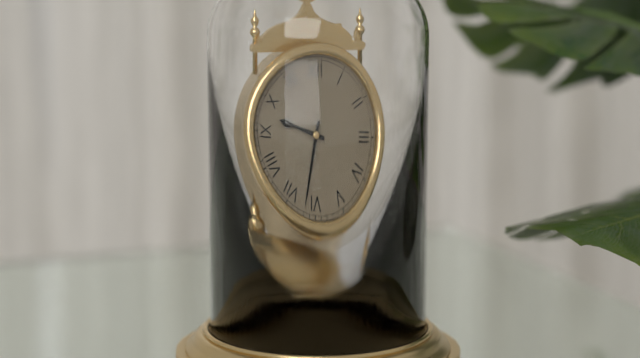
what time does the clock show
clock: 9:32
